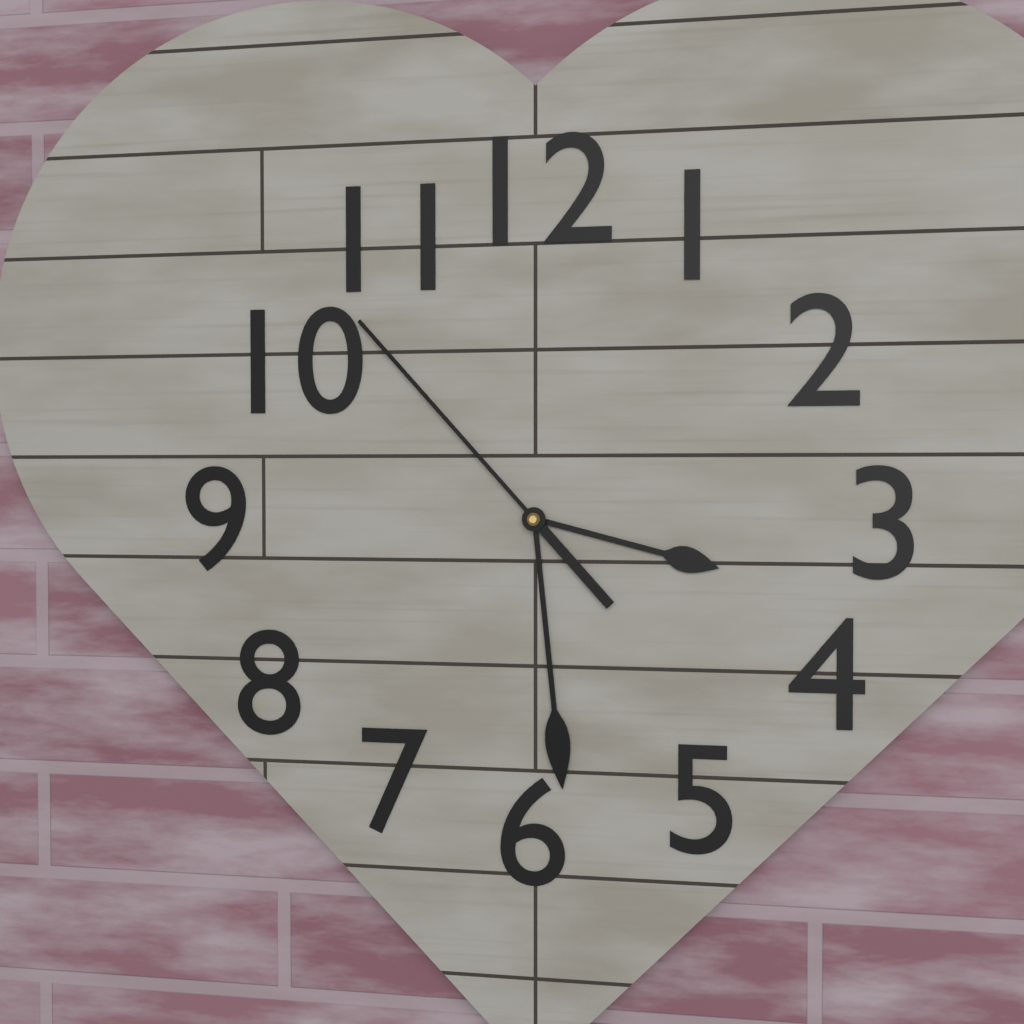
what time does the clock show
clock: 3:29:53
